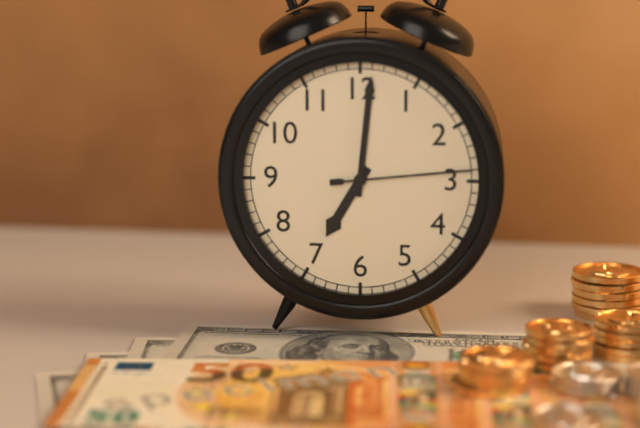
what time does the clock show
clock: 7:01:14
